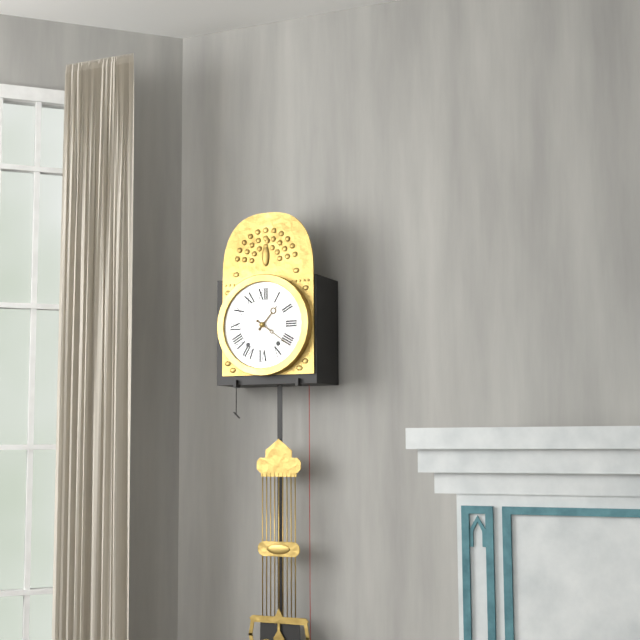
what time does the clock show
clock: 1:21
